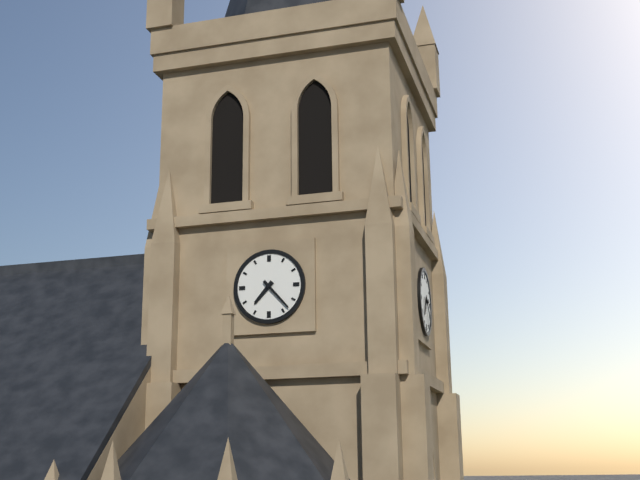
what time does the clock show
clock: 7:23
